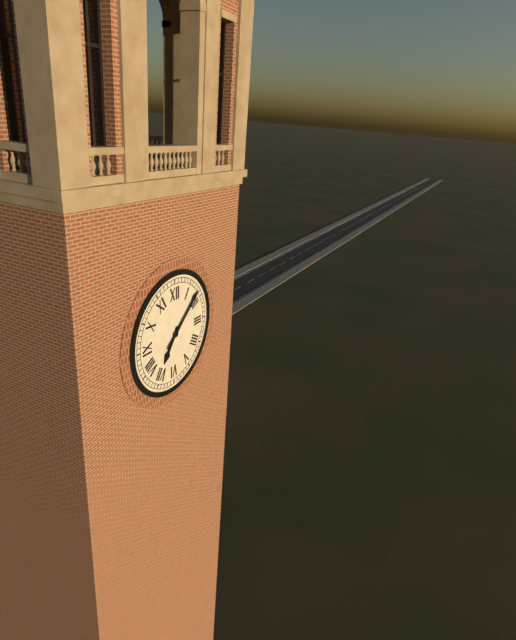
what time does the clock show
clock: 7:08
